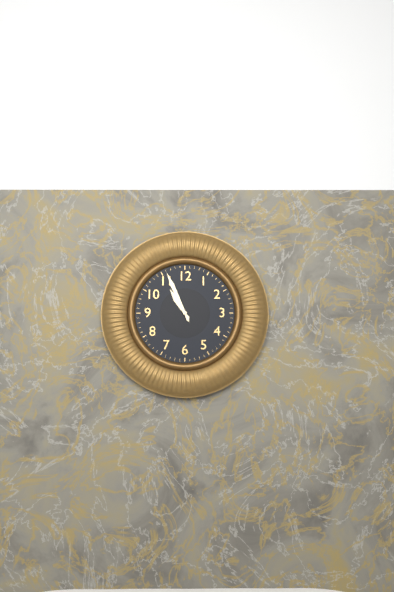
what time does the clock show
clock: 10:56
